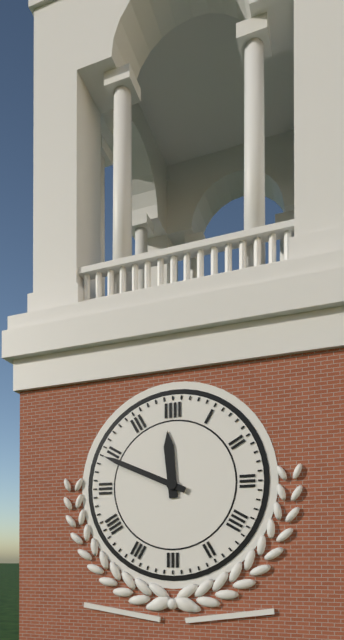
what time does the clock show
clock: 11:49
